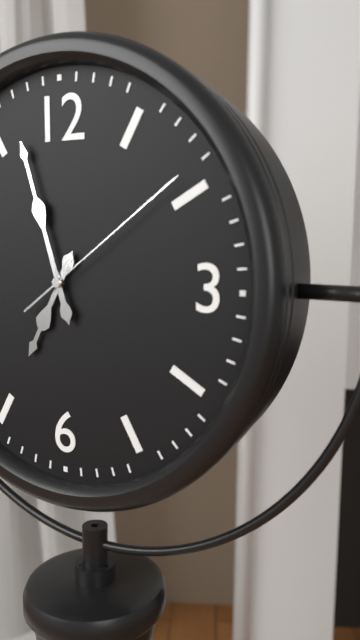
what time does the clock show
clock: 6:57:09
